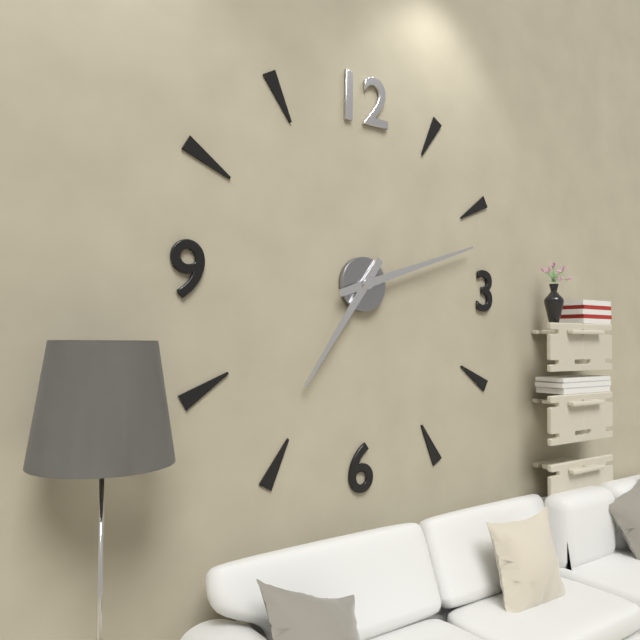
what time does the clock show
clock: 7:12
